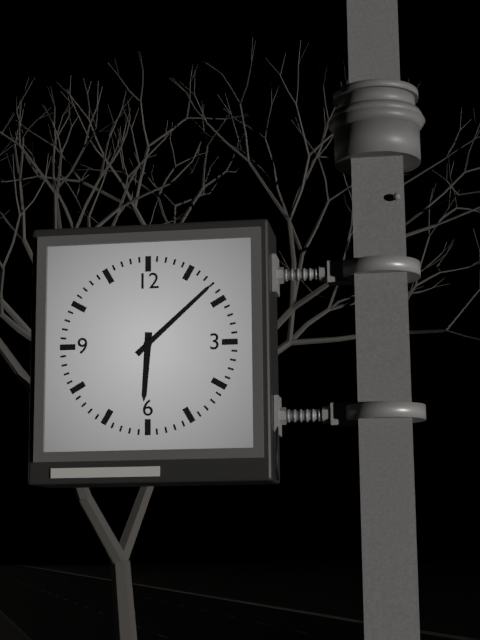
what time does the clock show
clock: 6:08
